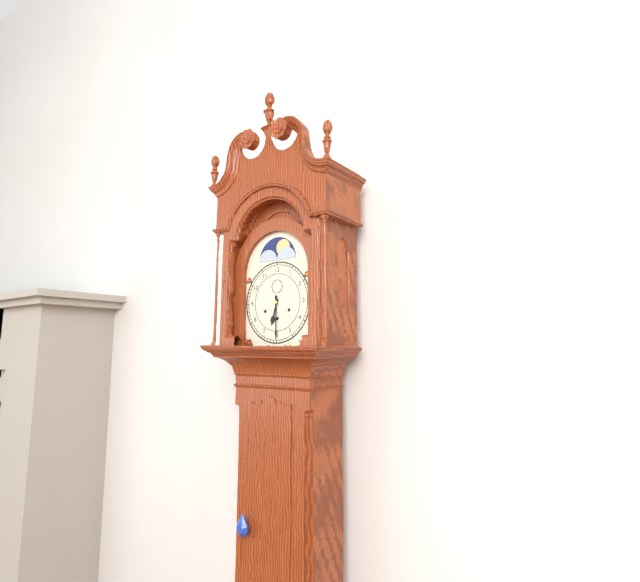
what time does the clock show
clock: 6:30
